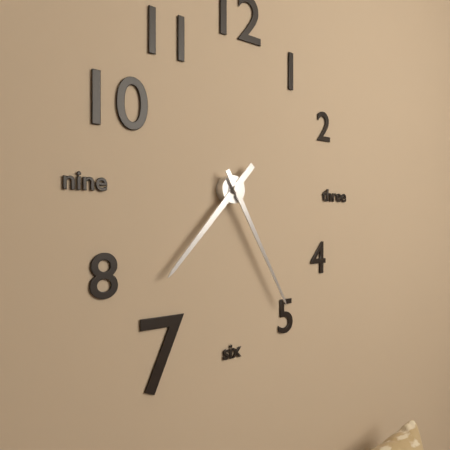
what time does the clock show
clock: 7:25
